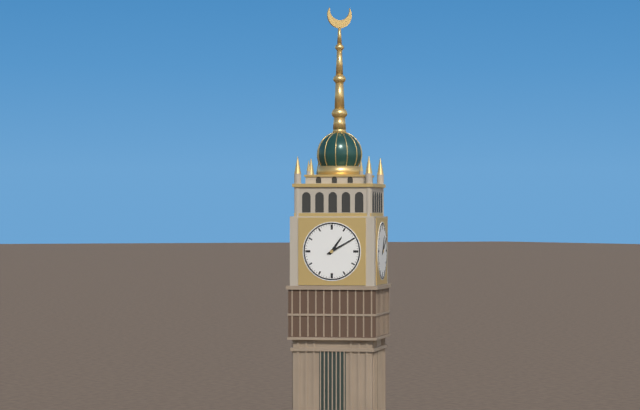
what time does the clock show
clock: 1:10
